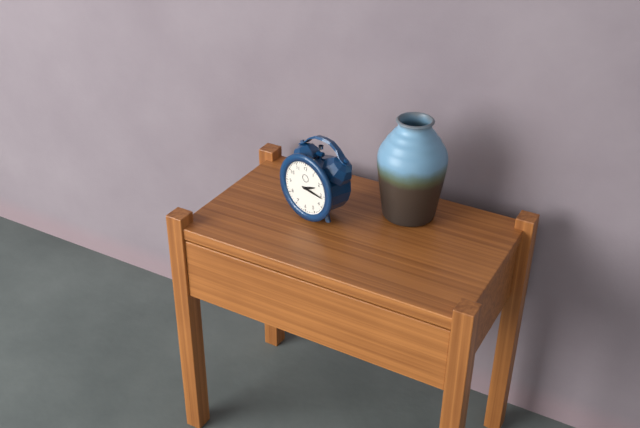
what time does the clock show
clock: 2:16
